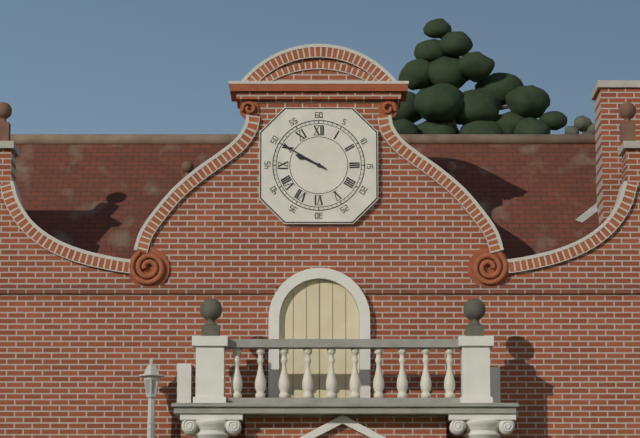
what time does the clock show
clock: 9:50
